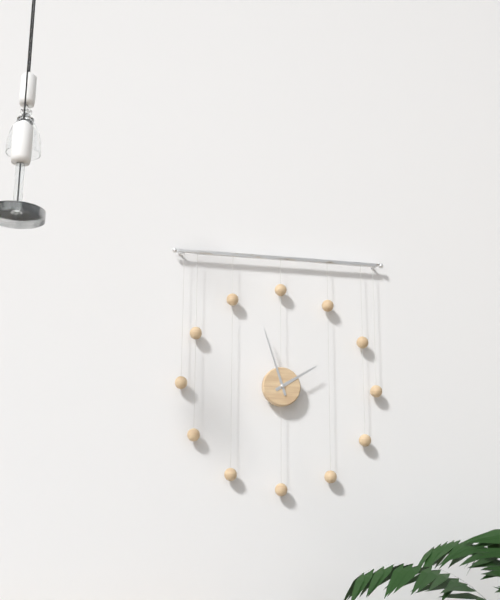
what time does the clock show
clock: 1:57
